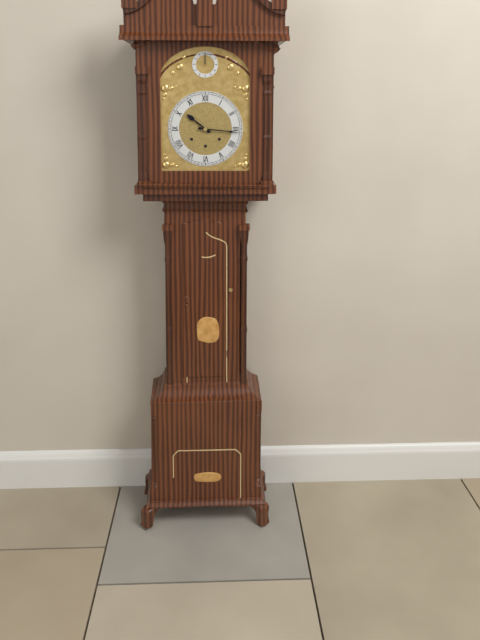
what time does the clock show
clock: 10:16
